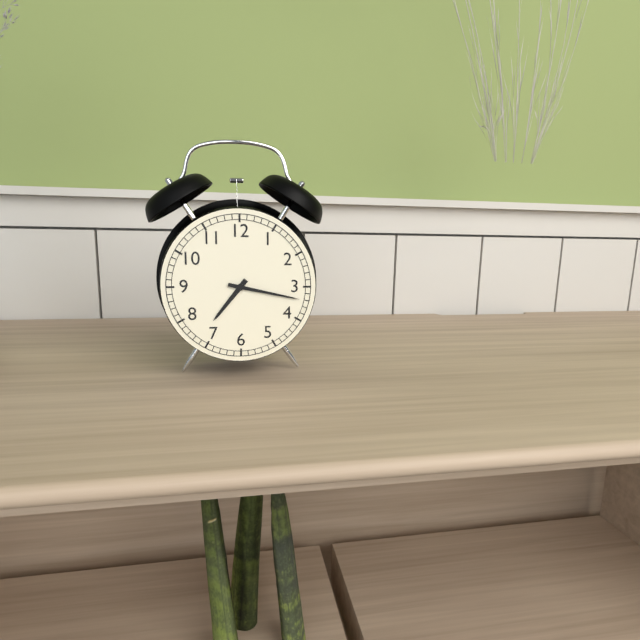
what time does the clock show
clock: 7:17
